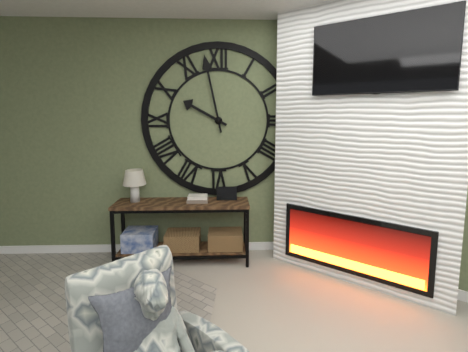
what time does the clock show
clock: 9:58
